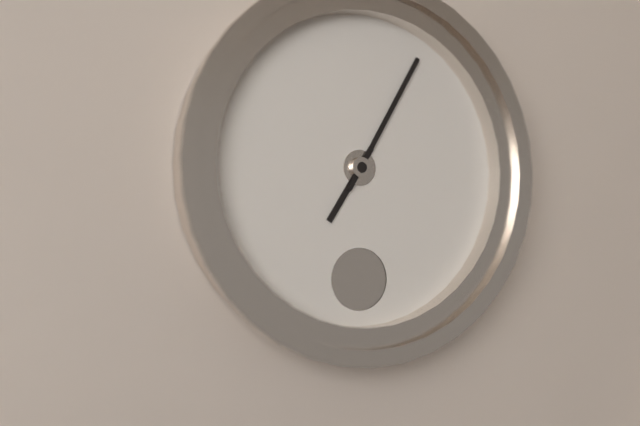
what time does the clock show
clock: 7:05
